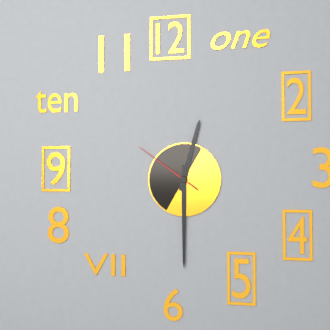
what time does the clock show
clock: 12:30:51
